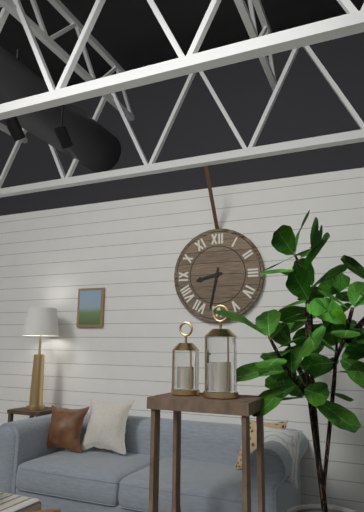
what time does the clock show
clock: 8:32
